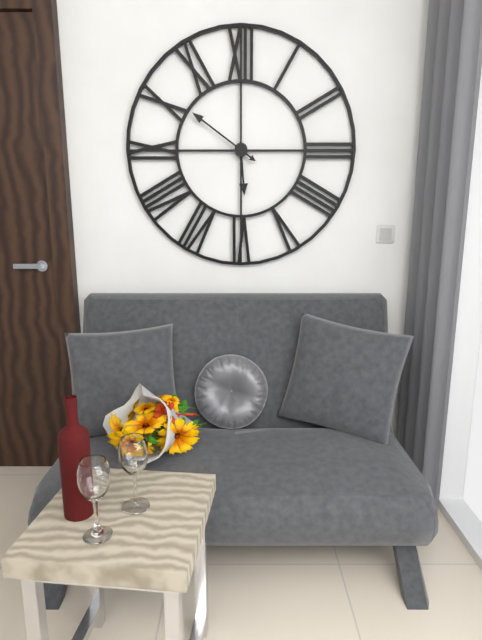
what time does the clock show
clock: 5:51
